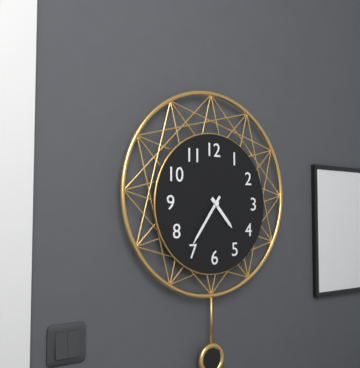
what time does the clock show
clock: 4:36
